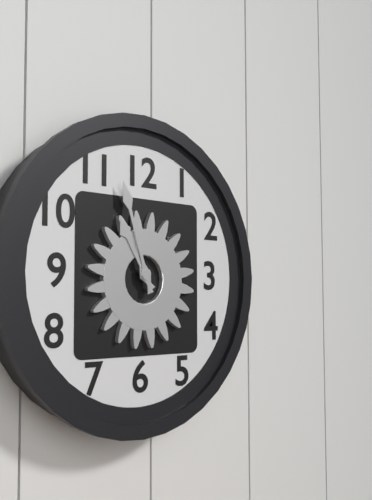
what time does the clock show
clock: 10:57
